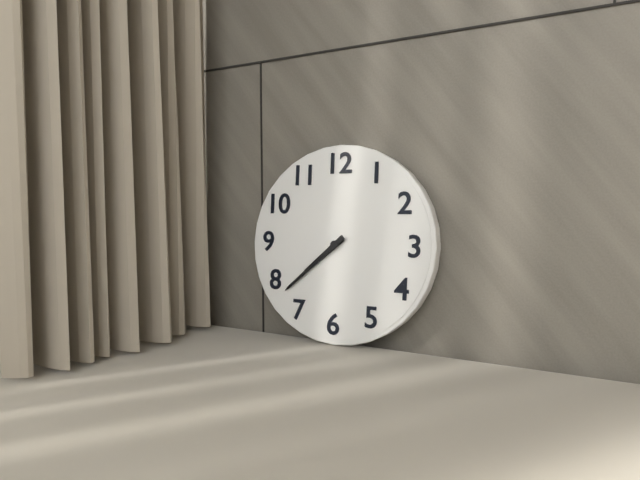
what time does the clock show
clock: 7:38
